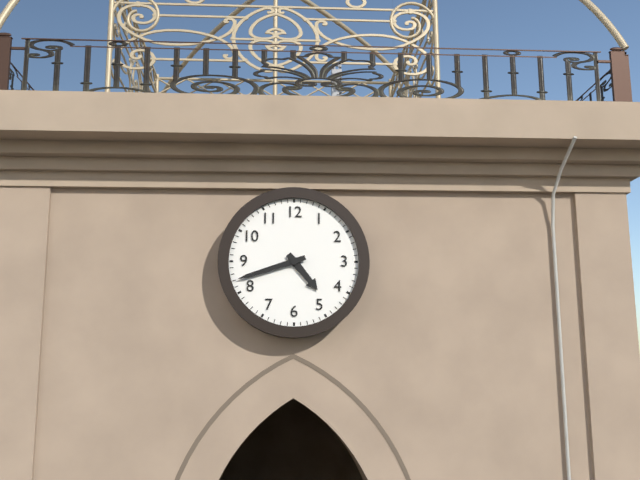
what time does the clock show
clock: 4:42
